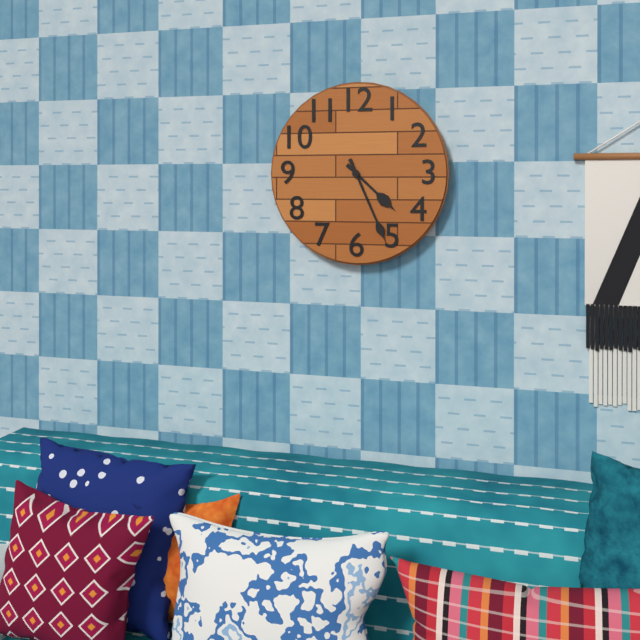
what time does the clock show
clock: 4:26
